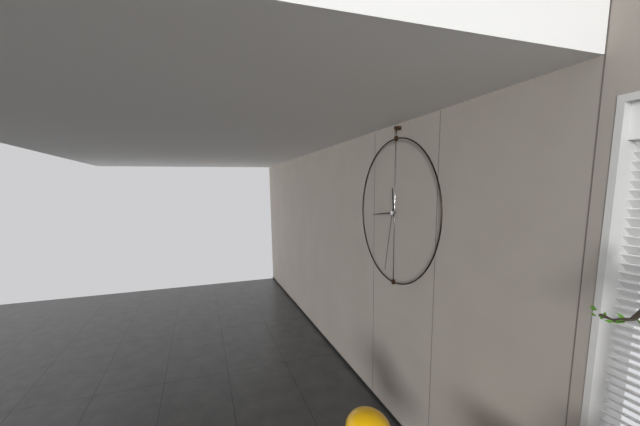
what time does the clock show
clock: 11:44:32
